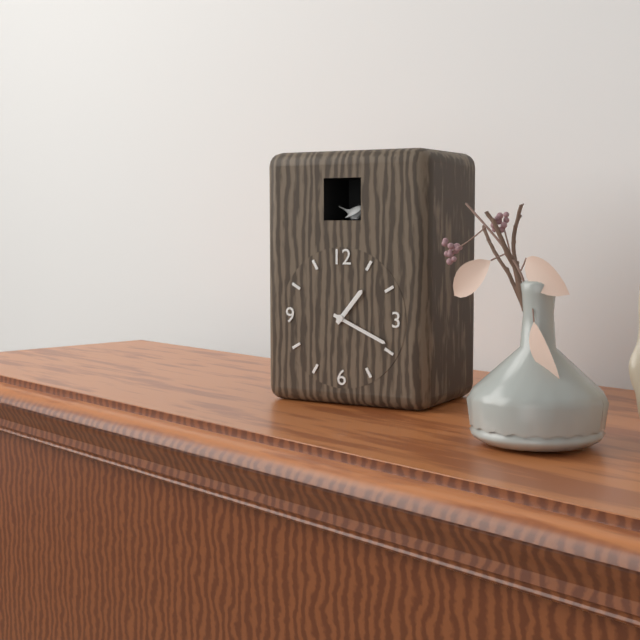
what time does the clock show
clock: 1:19
